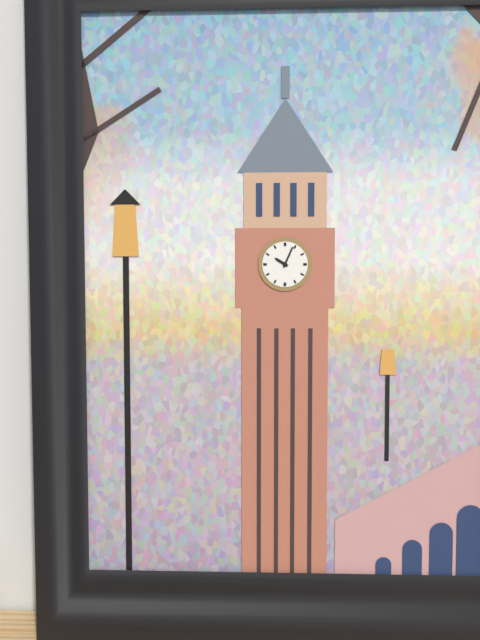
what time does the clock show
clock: 10:04
